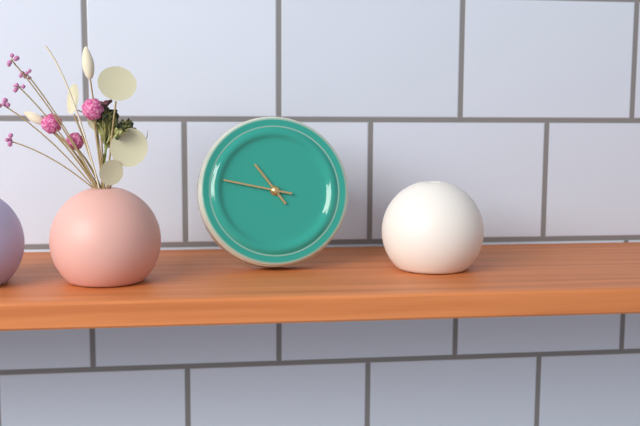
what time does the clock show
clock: 10:47
